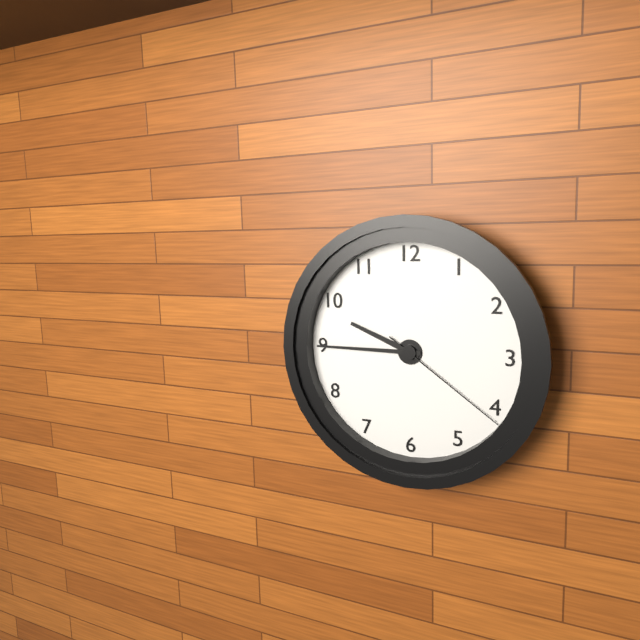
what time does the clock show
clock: 9:45:21
